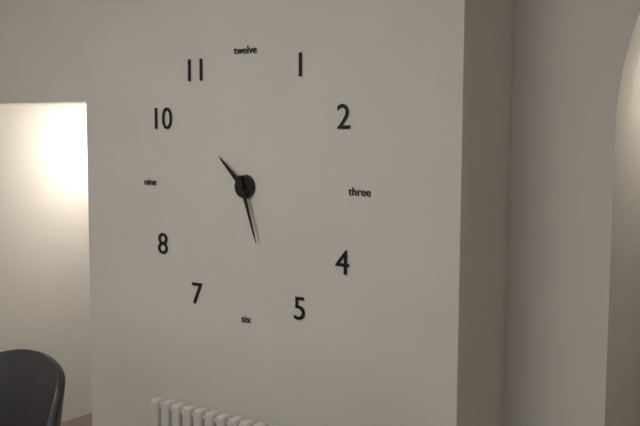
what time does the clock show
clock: 10:27
